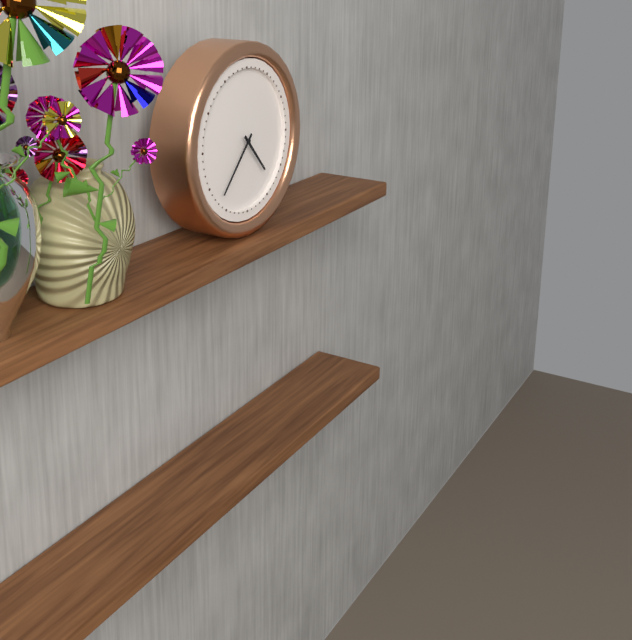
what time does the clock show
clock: 4:37
